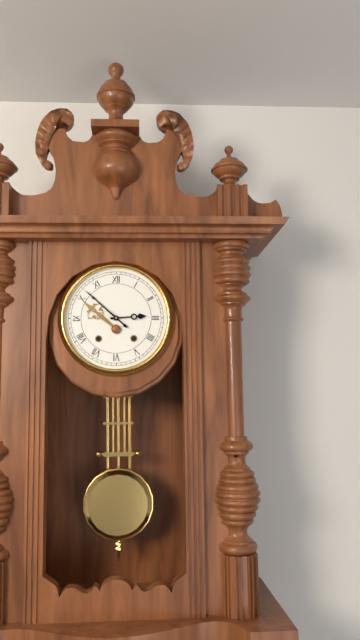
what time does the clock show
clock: 2:52
